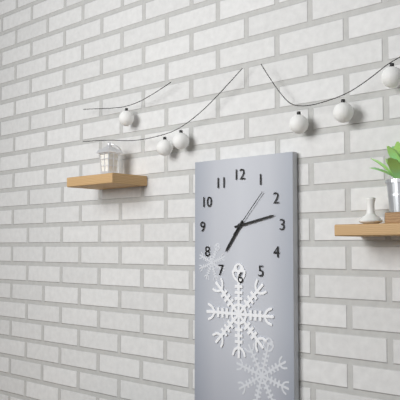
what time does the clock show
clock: 7:13:07
